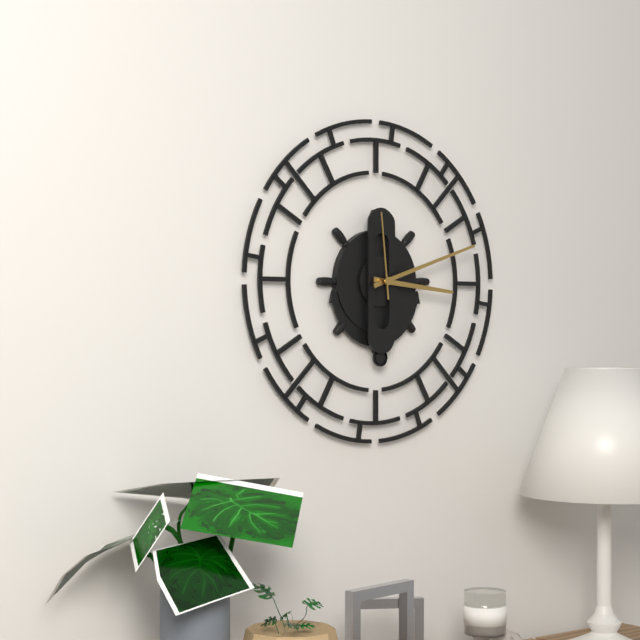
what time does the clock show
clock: 3:12:59
